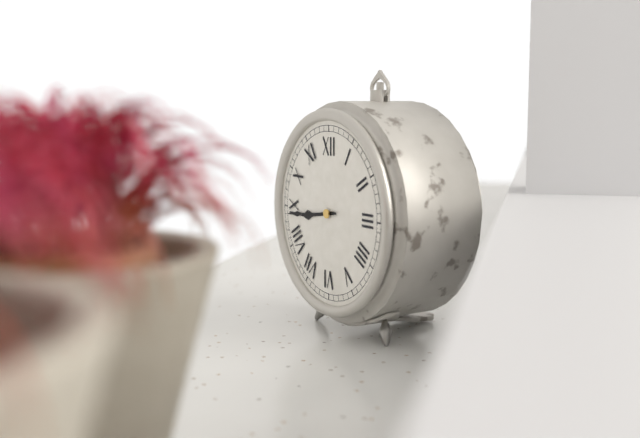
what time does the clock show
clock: 8:44
